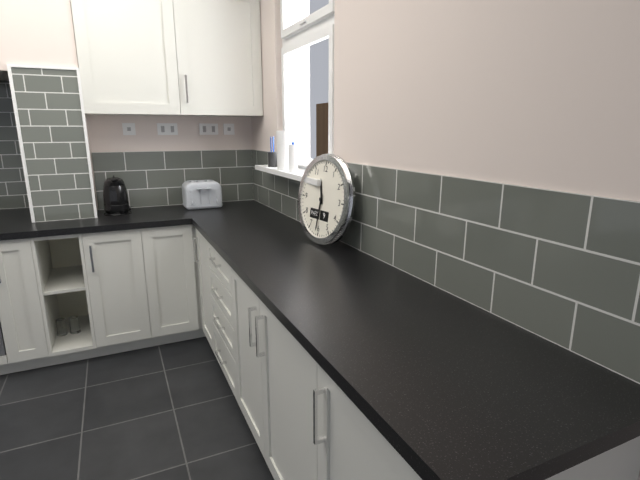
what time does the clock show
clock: 11:31
